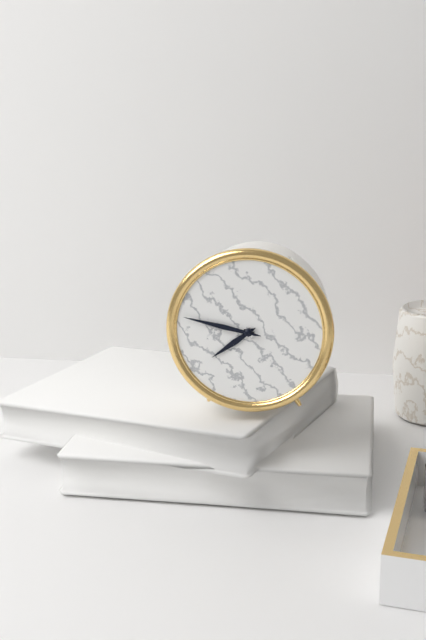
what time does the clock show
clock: 7:47
